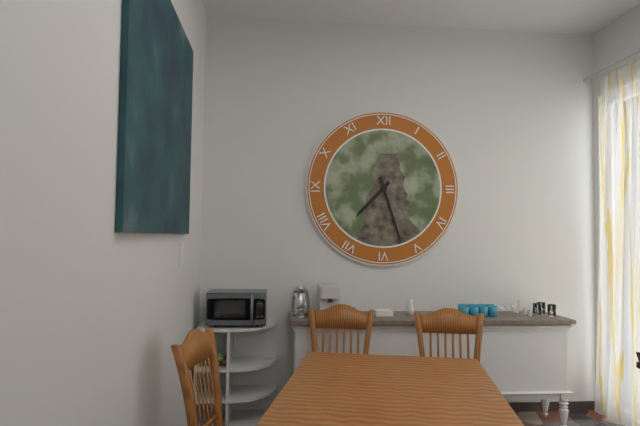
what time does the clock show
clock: 7:27
